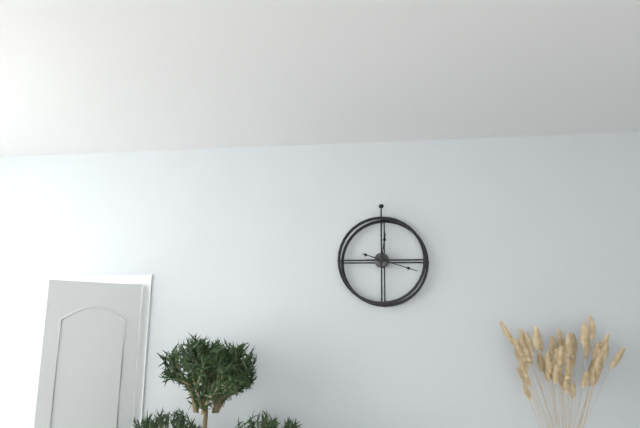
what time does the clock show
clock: 12:18
